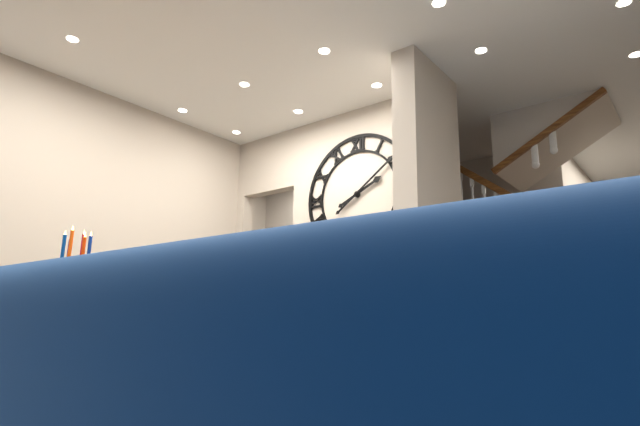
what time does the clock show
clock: 2:09
